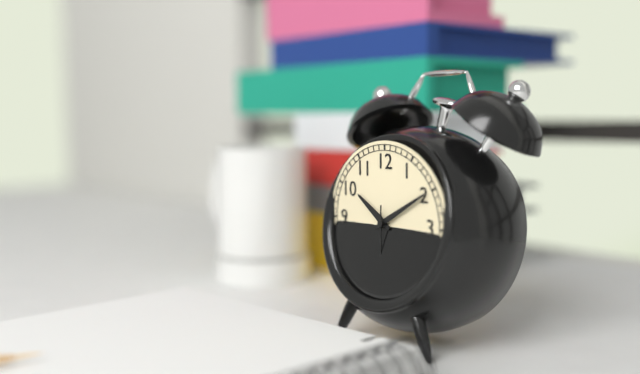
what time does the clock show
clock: 10:10
